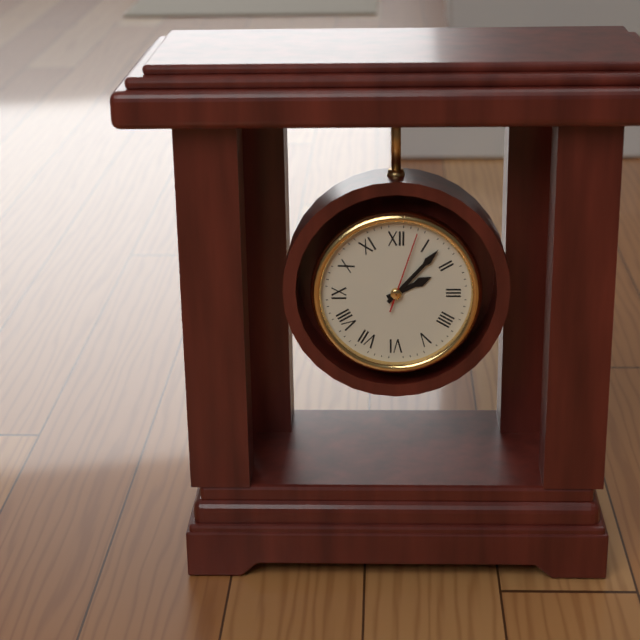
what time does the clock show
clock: 2:07:03
